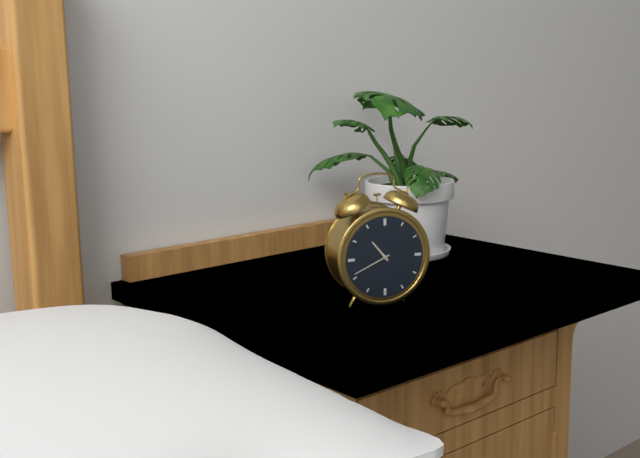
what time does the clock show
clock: 10:41
